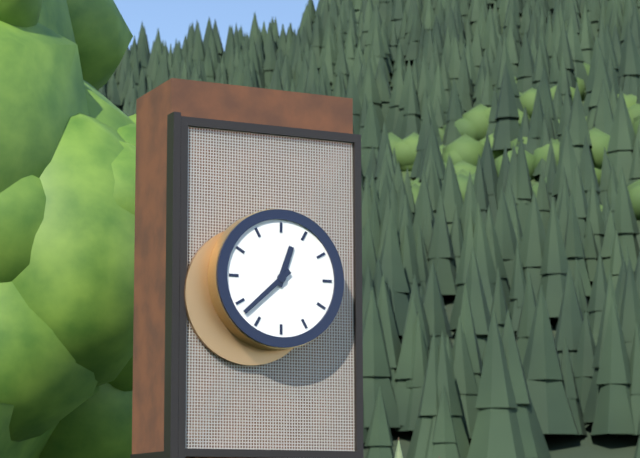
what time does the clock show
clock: 12:38
